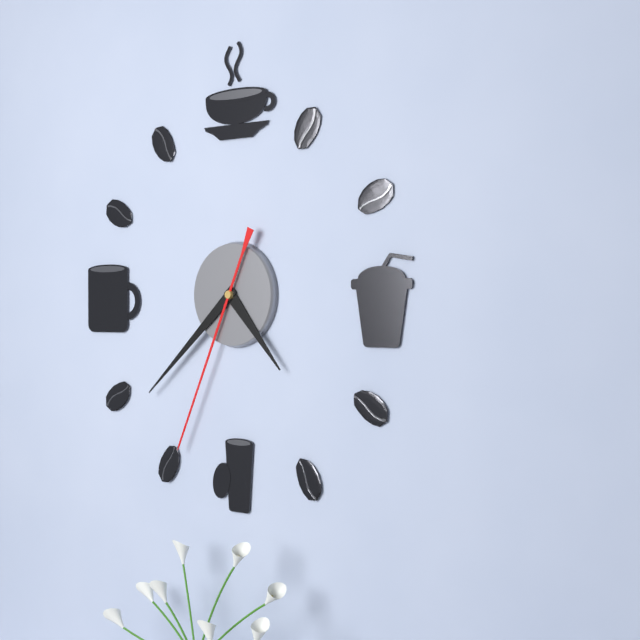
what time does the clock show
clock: 4:38:34
